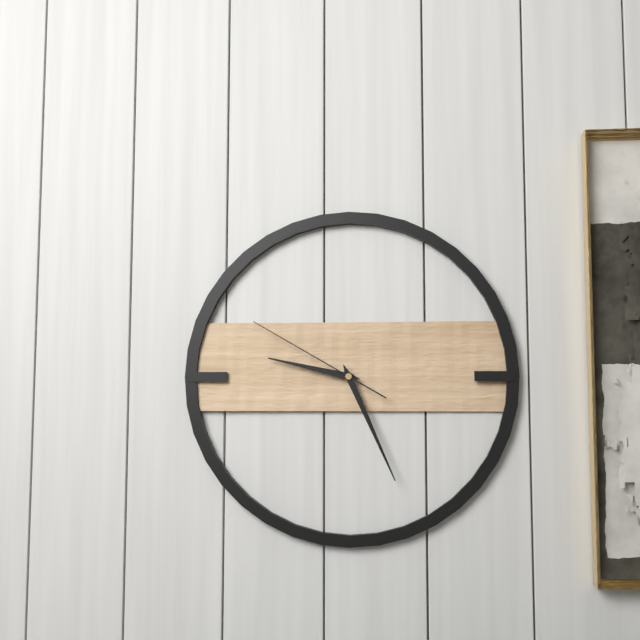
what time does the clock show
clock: 9:26:50
